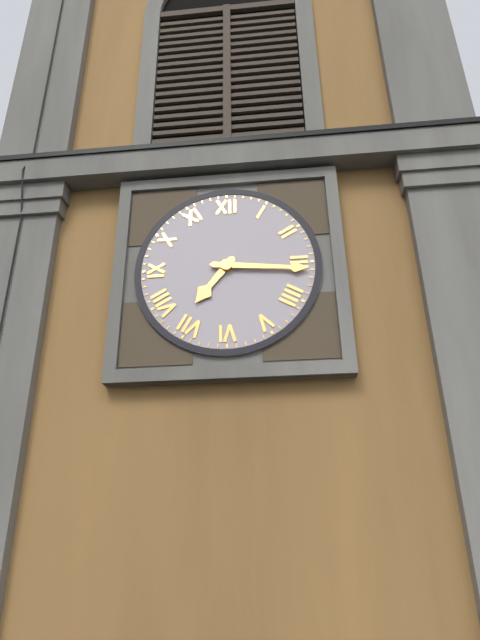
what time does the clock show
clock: 7:16
